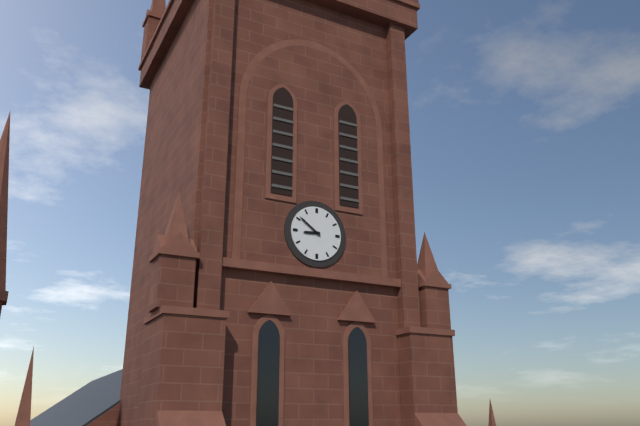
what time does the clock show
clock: 8:51
